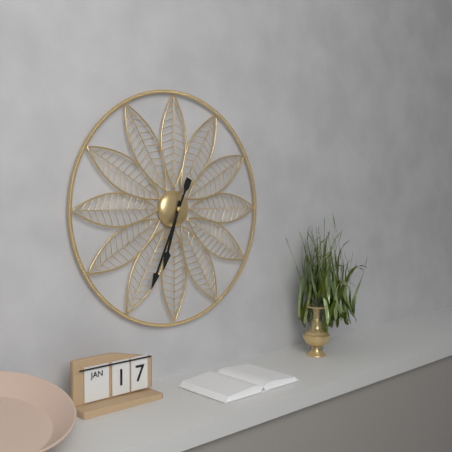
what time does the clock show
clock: 6:34
